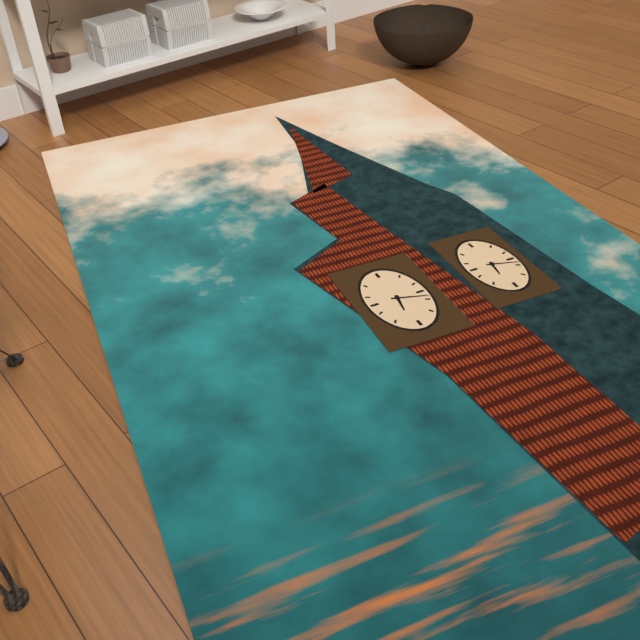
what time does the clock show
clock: 6:18
